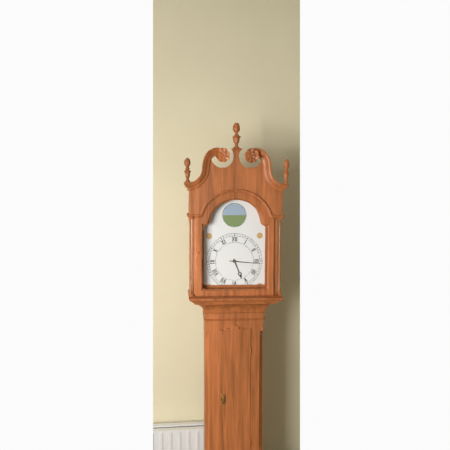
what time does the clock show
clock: 5:16
